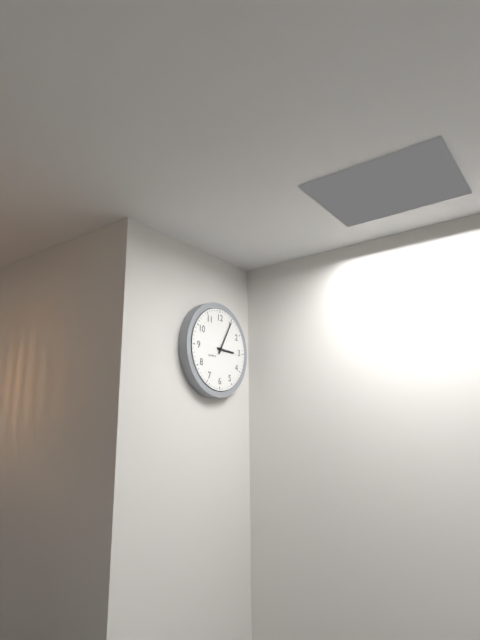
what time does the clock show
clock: 3:05
